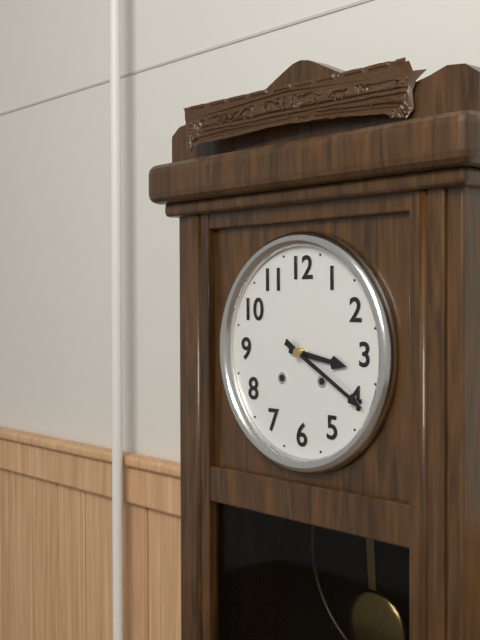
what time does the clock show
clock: 3:20
